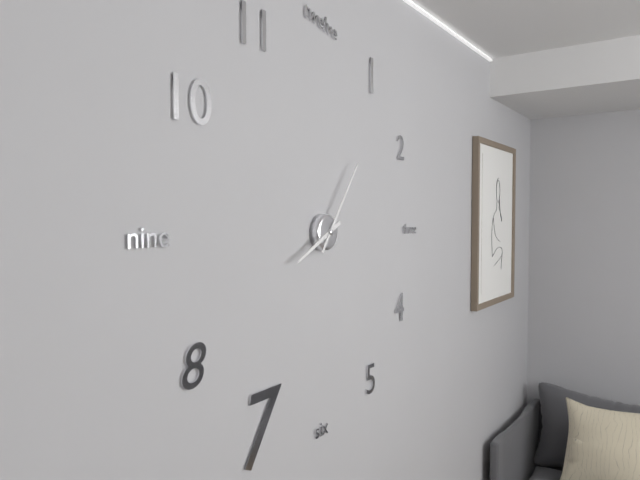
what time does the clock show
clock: 8:06
